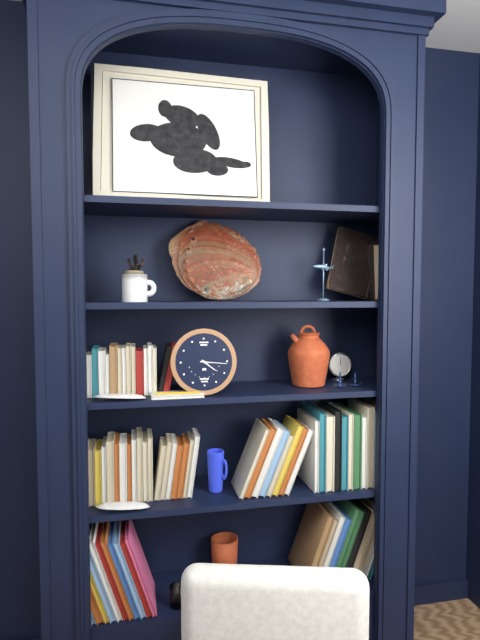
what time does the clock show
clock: 4:16
